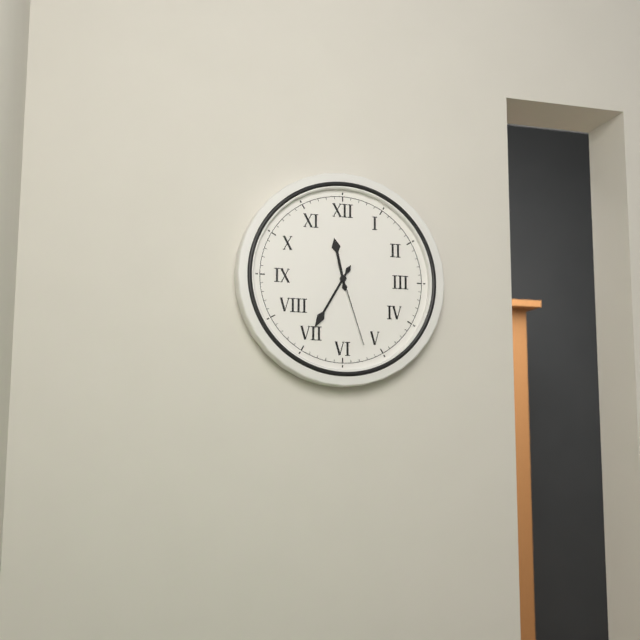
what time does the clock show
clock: 11:35:27
